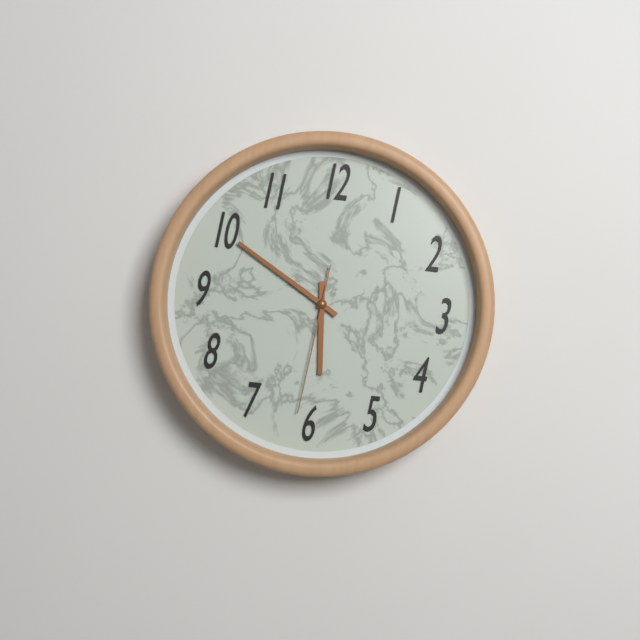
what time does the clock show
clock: 5:50:31
